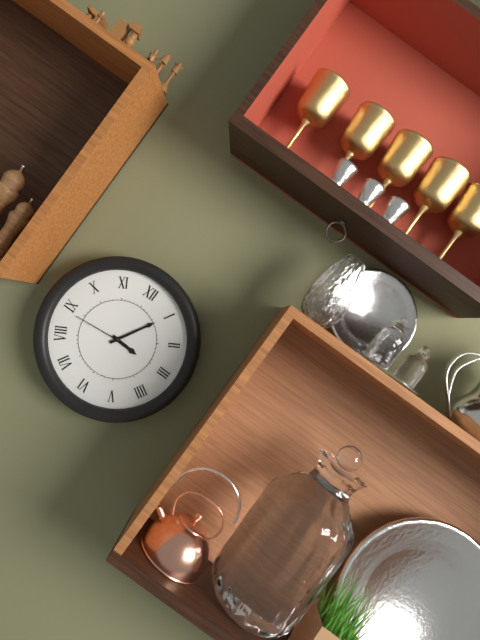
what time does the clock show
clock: 3:05:44
